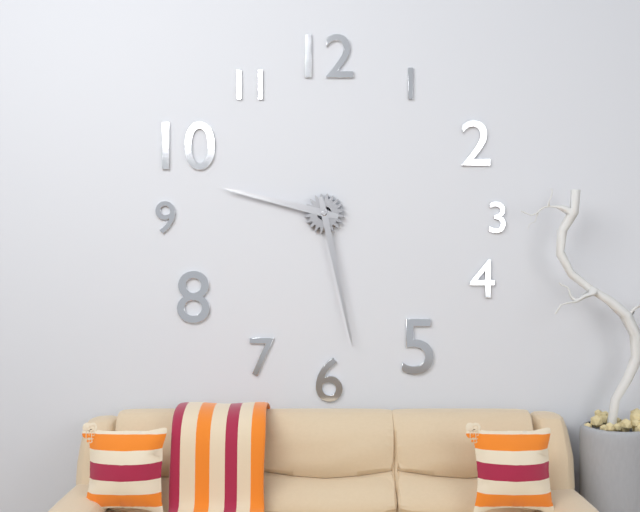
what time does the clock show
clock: 9:28
